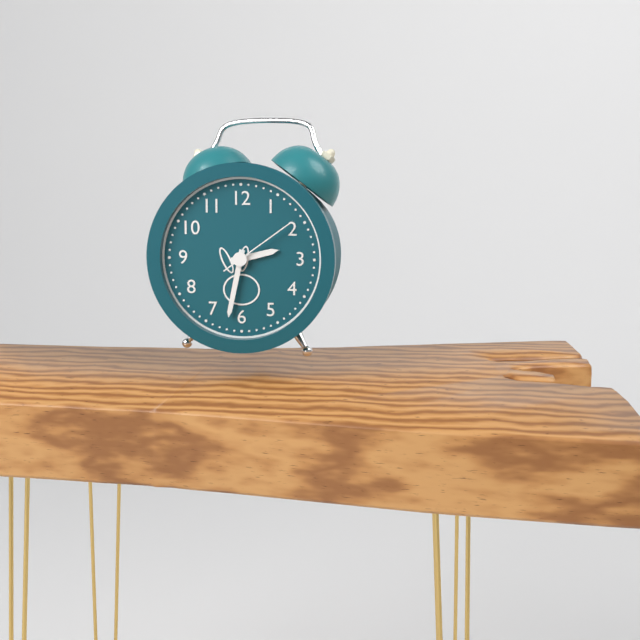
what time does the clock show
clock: 2:32:09
